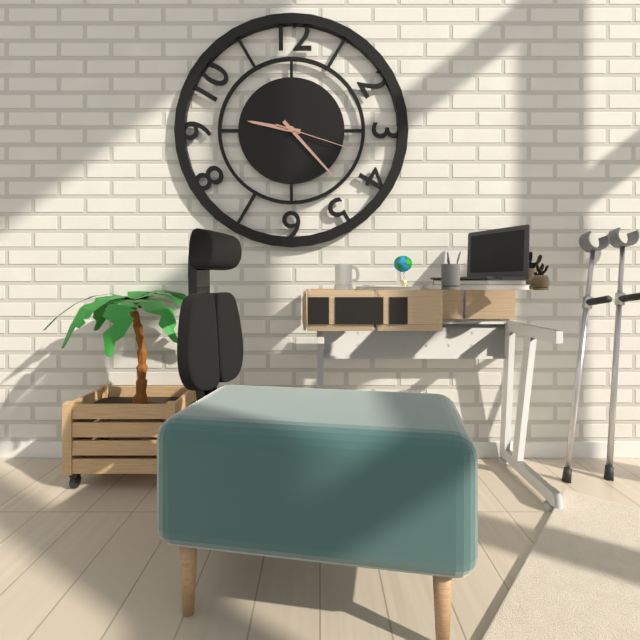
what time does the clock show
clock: 9:23:18
